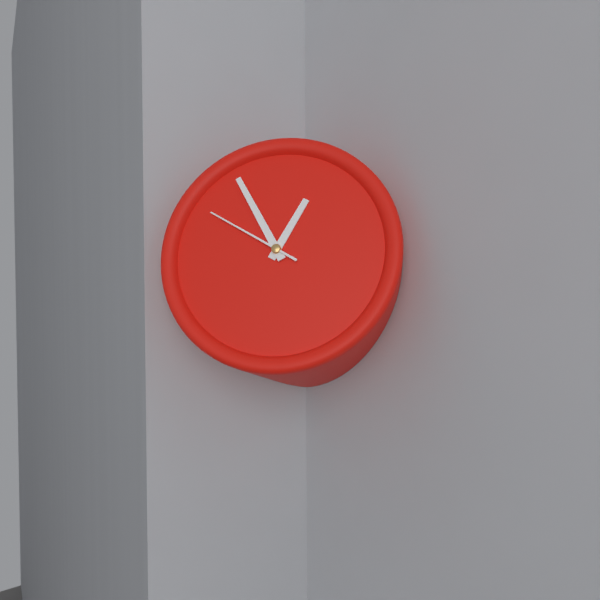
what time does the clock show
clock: 12:55:50
